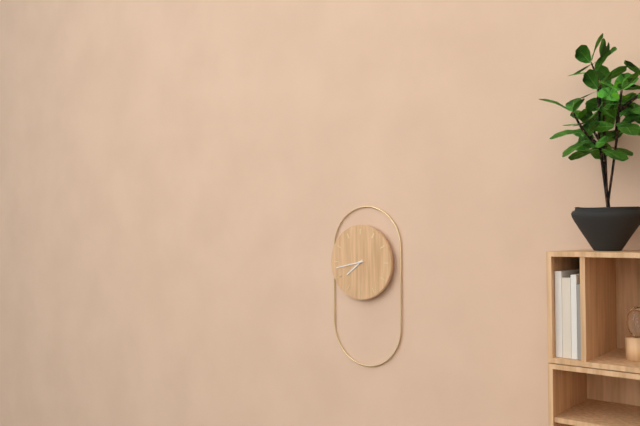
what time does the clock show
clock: 7:43
